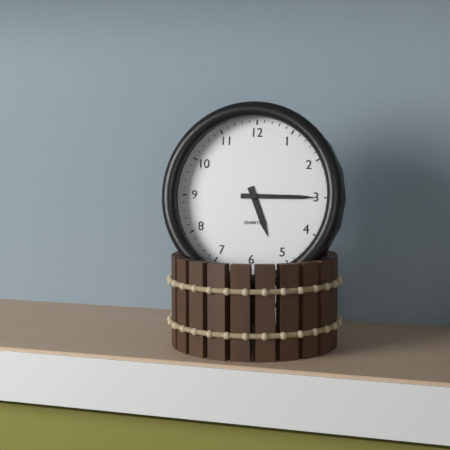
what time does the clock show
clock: 5:15
